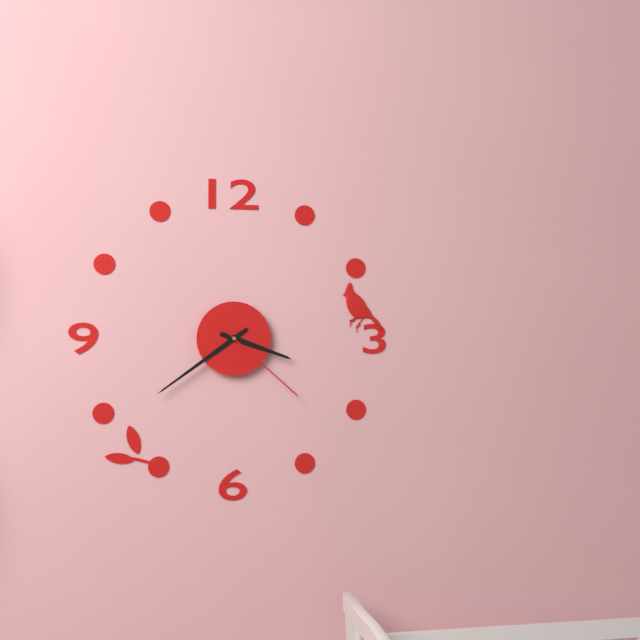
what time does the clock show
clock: 3:39:22
